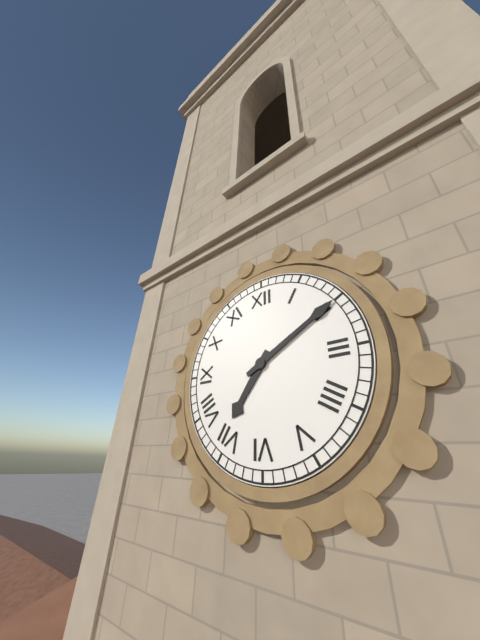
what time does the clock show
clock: 7:10
